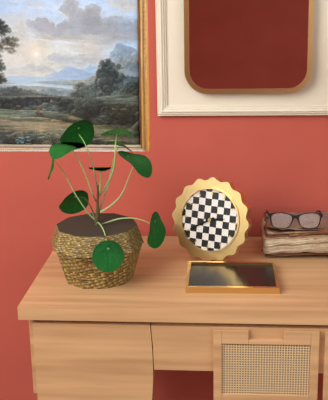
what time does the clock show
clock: 2:40
